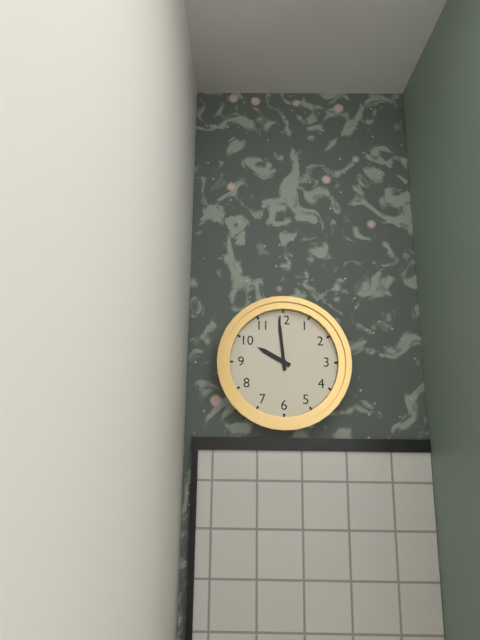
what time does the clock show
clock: 9:59
